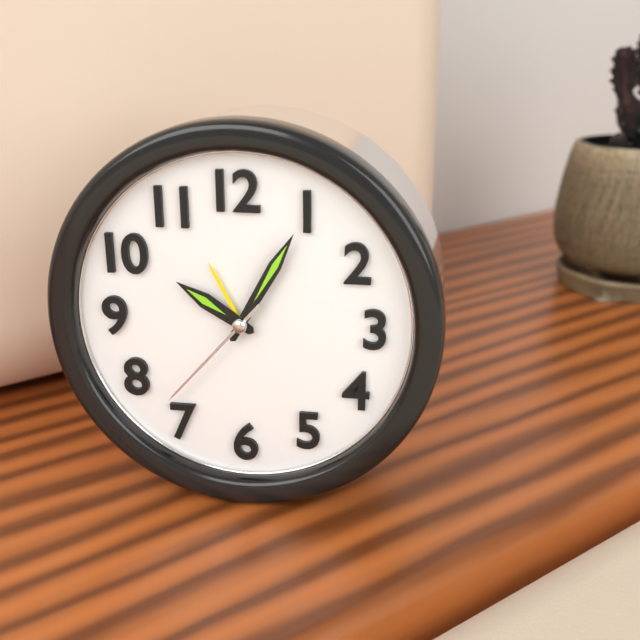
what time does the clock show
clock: 10:05:37
